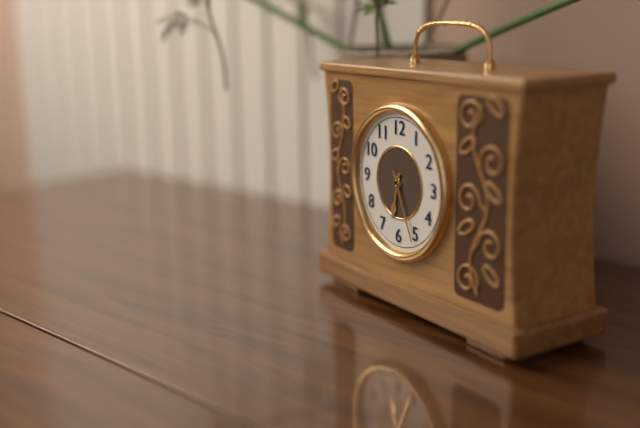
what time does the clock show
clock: 6:26
